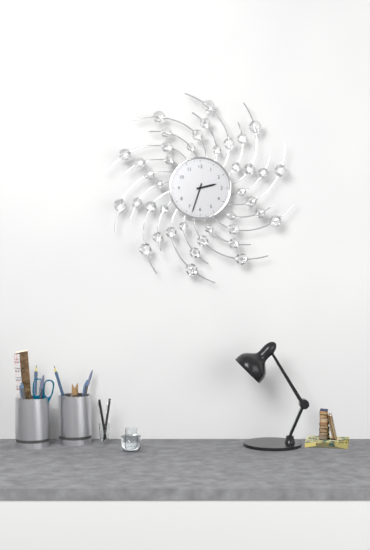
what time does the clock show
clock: 2:33
